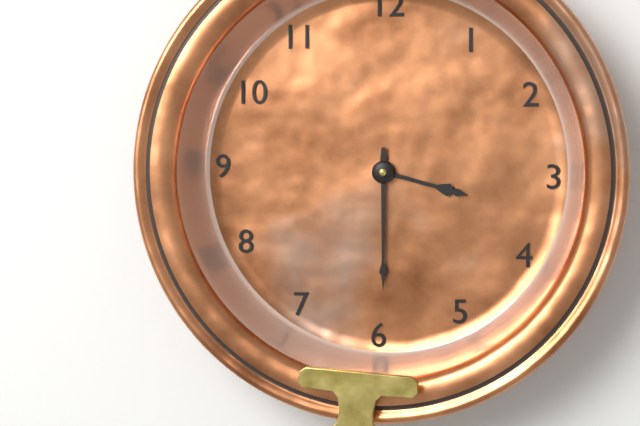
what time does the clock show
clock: 3:30
